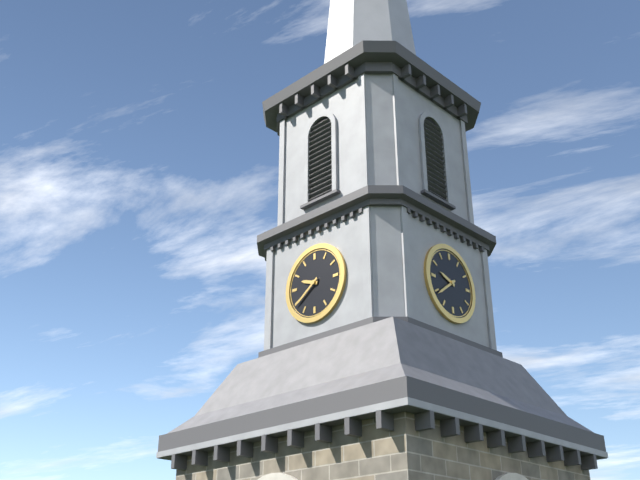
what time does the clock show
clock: 9:39
